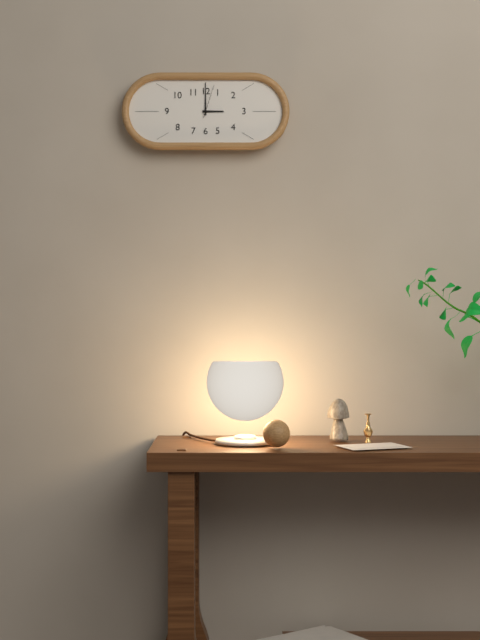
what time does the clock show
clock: 3:00
